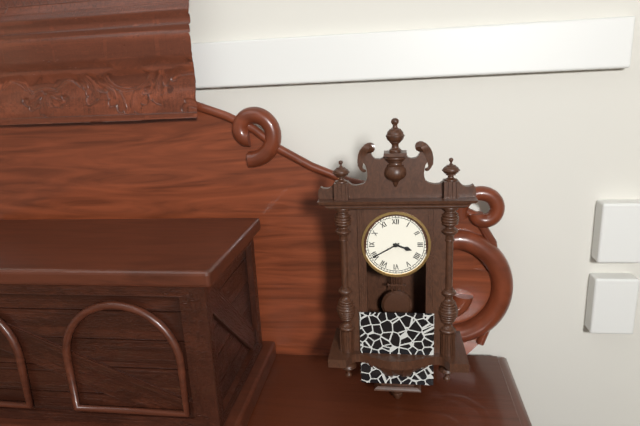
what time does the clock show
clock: 3:40
